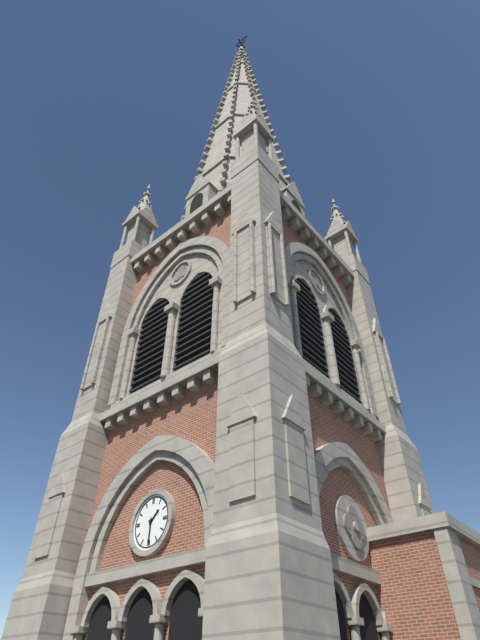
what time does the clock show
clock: 1:30
